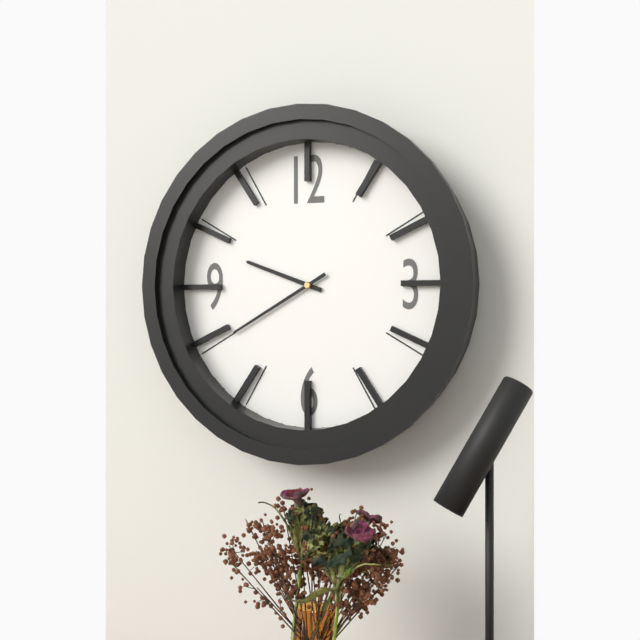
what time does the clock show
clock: 9:40
